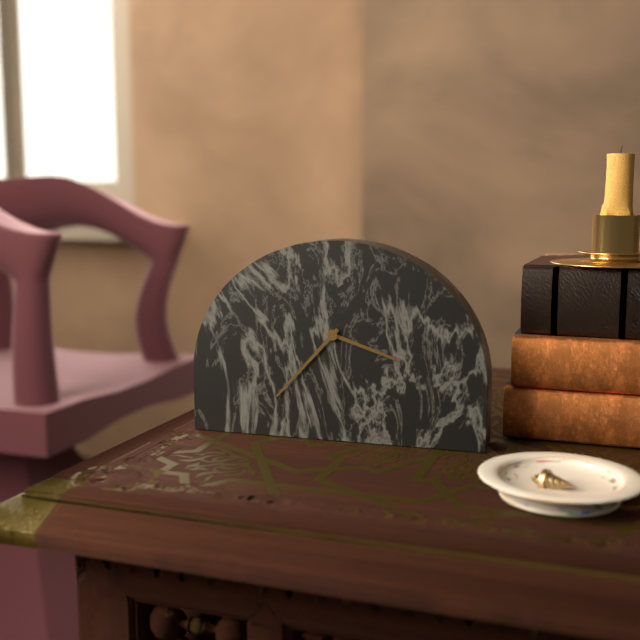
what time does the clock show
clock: 3:37
